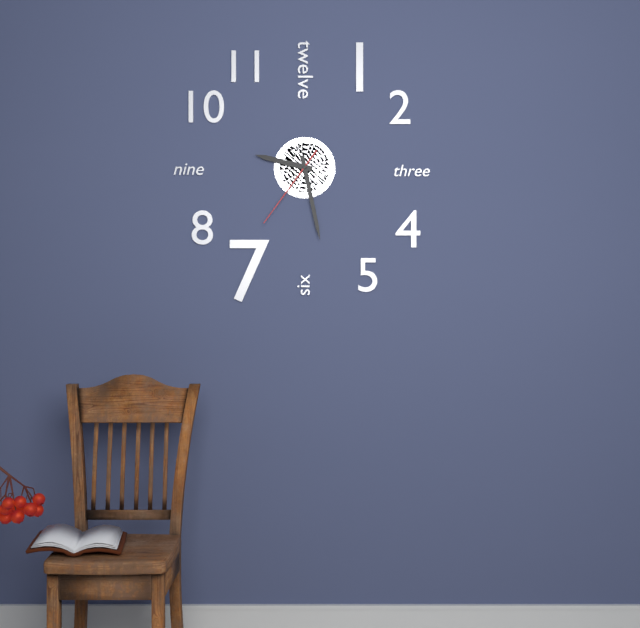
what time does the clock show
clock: 9:28:36
